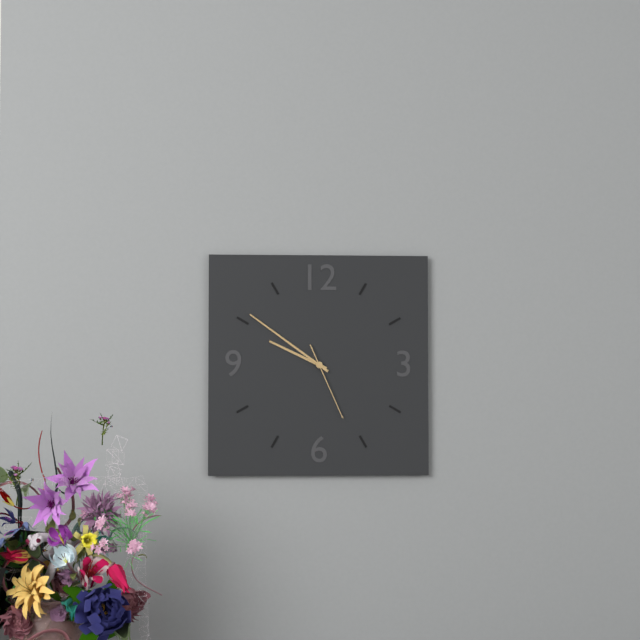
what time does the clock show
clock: 9:51:26
